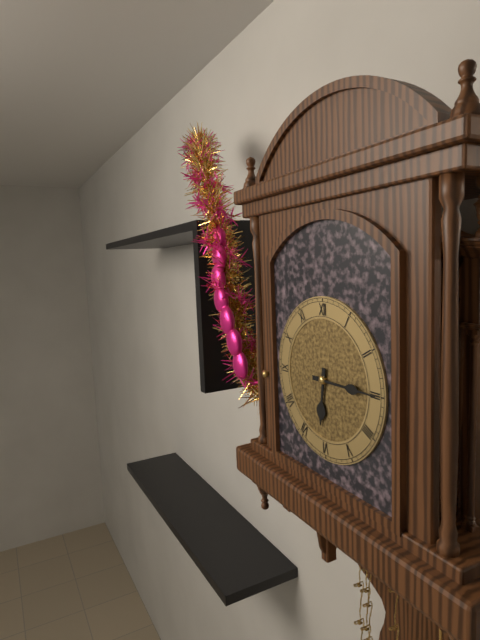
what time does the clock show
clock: 6:15
